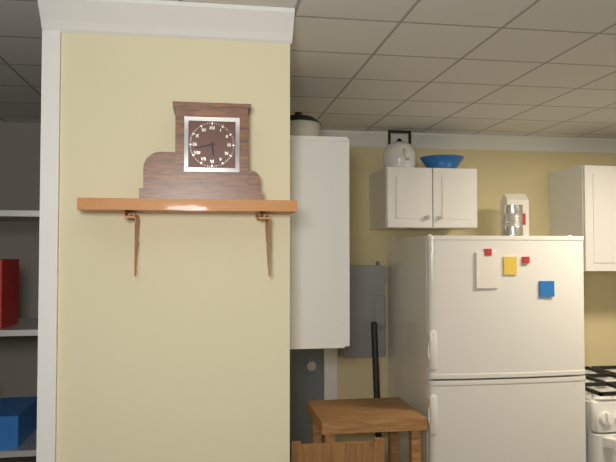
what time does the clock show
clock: 5:43
